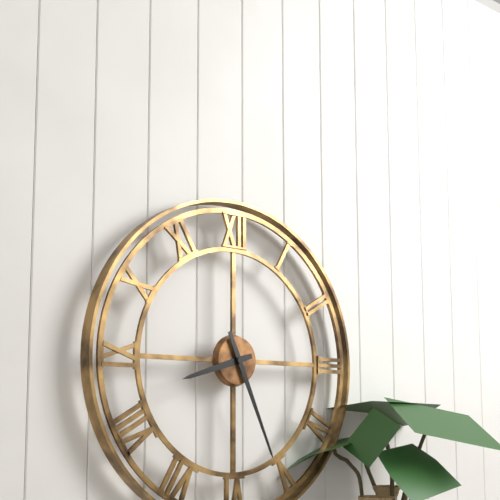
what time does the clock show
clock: 8:26
